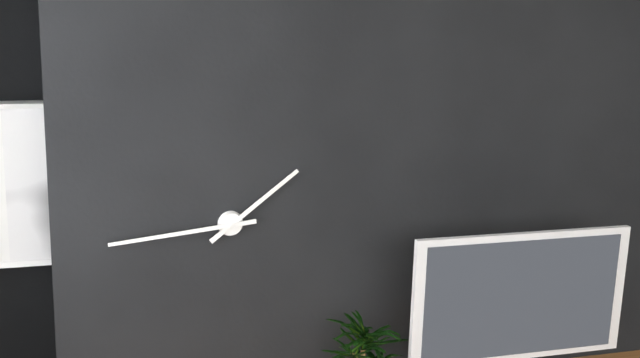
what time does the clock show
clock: 1:44
